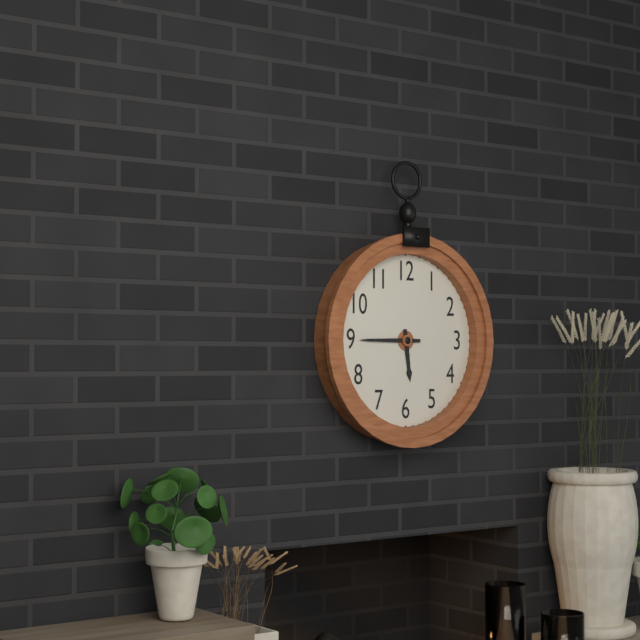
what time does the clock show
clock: 5:45
